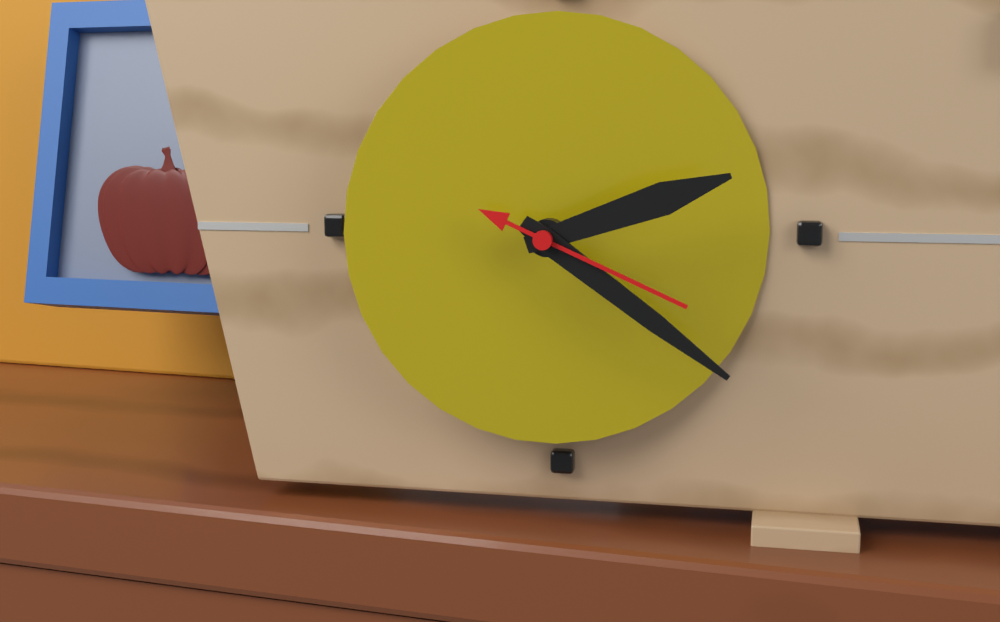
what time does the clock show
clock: 2:21:19
